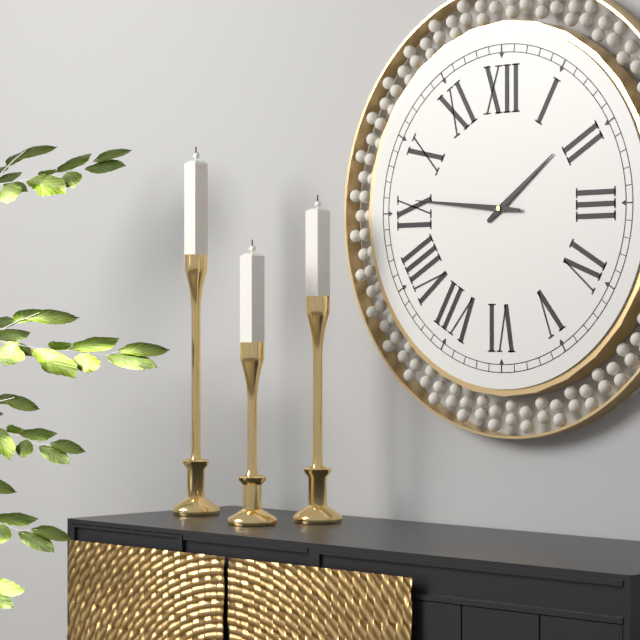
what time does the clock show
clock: 1:46
